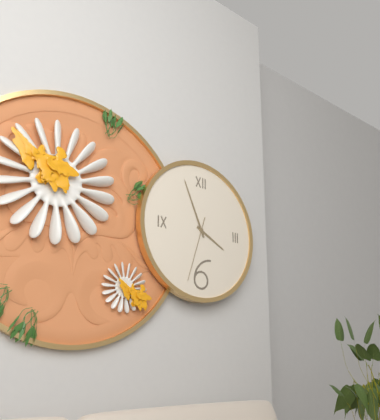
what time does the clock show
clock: 3:56:33
